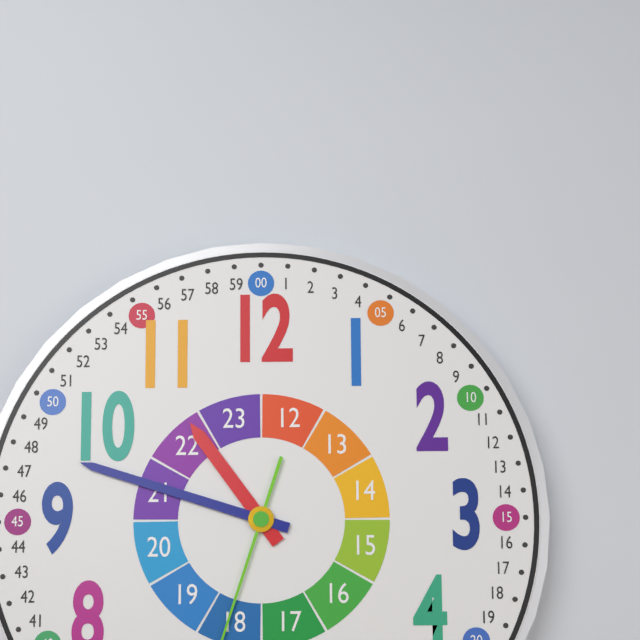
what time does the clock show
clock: 10:48
